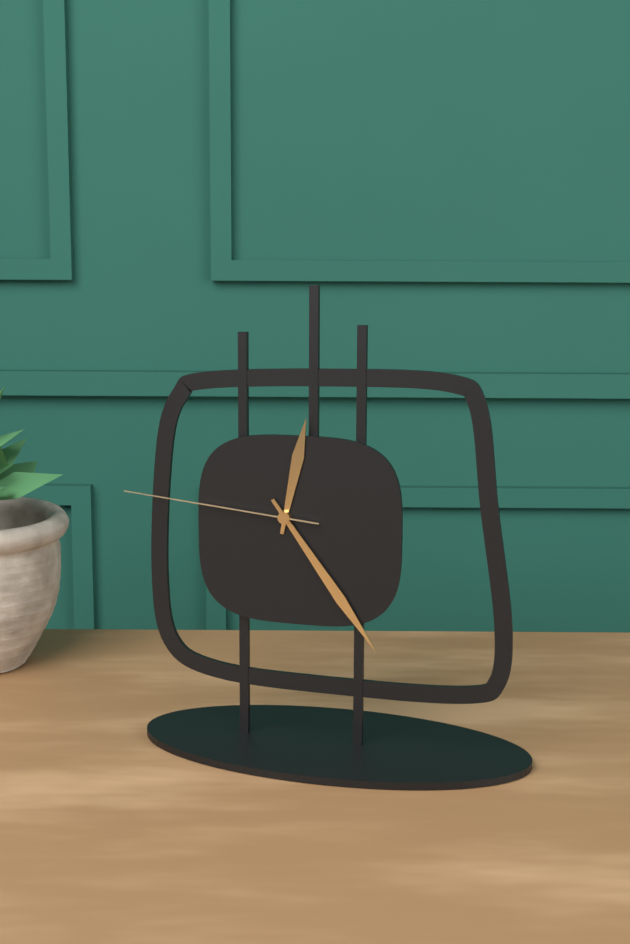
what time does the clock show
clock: 12:24:46
